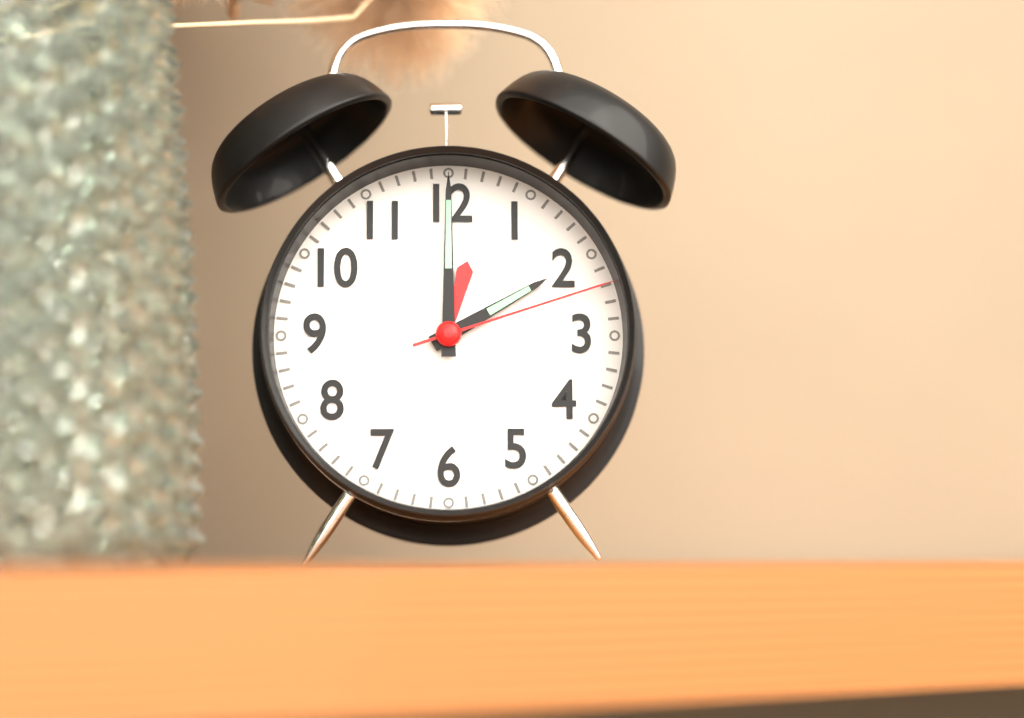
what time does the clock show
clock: 2:00:12
